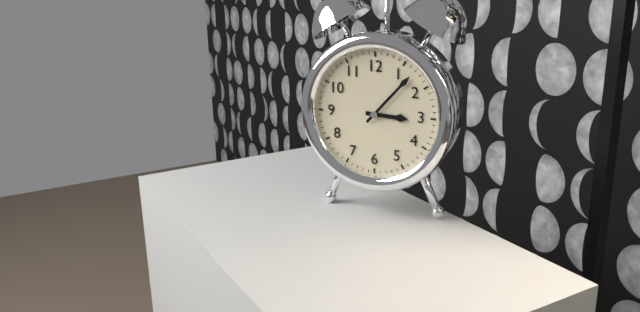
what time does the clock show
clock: 3:07
